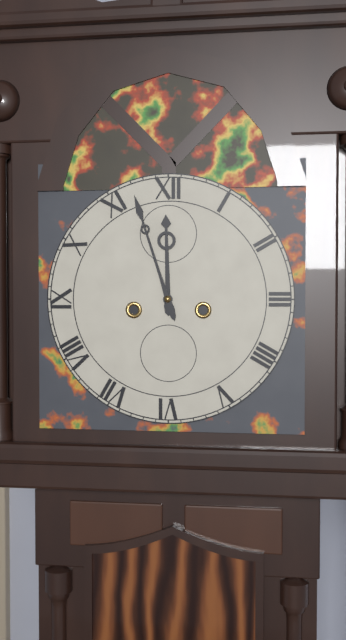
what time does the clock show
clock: 11:57
